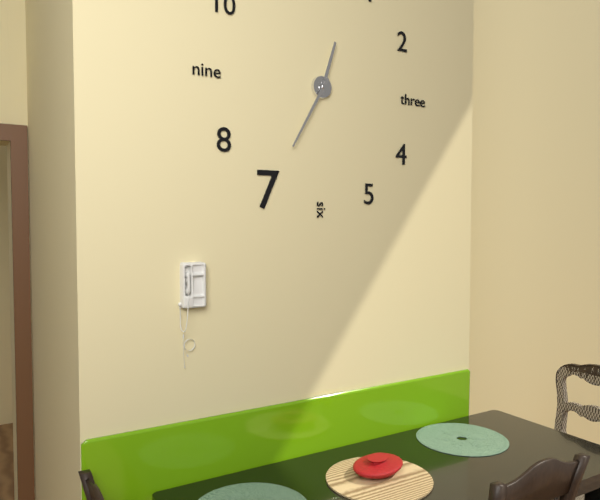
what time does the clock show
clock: 12:35
